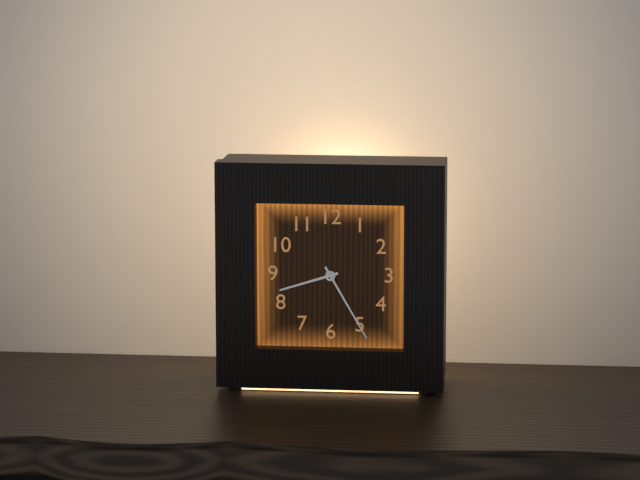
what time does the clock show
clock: 8:25
